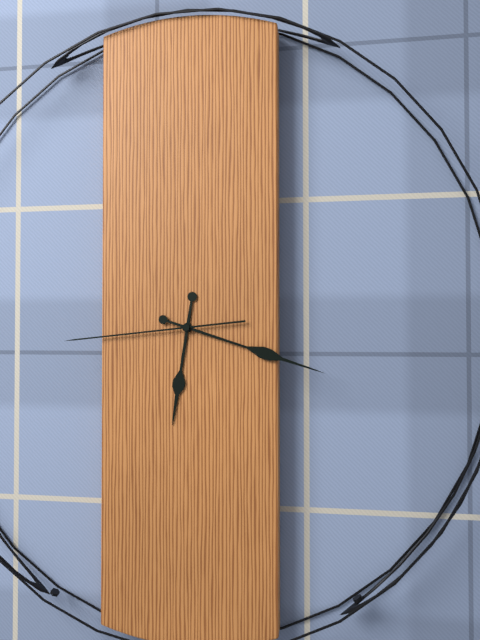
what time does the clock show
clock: 6:18:44
